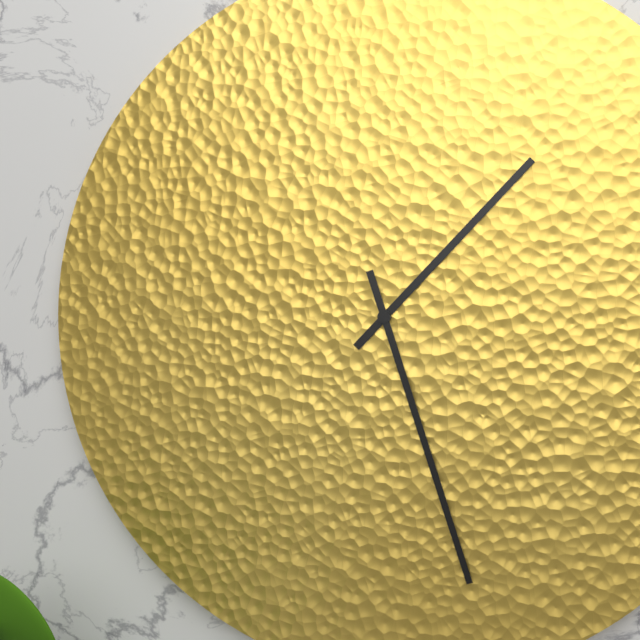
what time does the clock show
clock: 1:27
